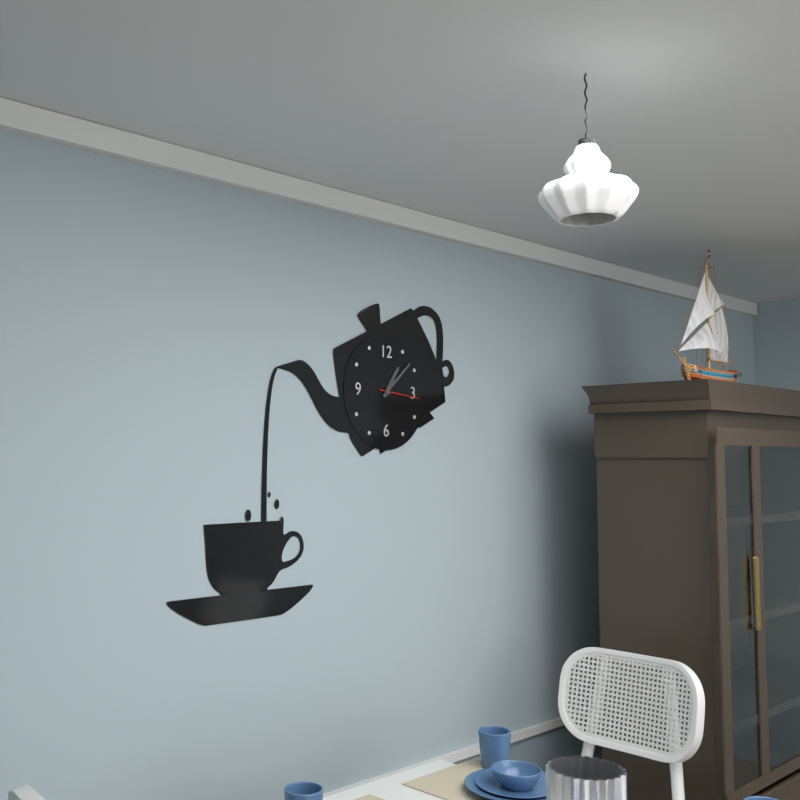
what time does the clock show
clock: 1:08
